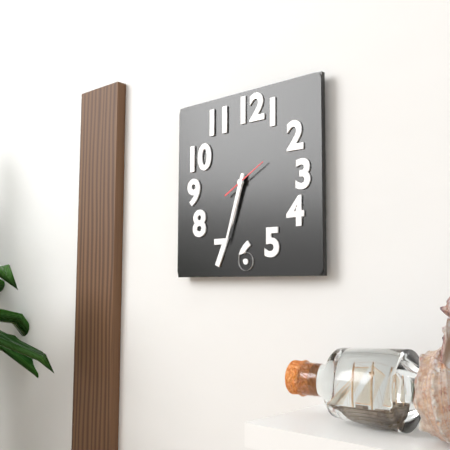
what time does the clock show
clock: 6:33
